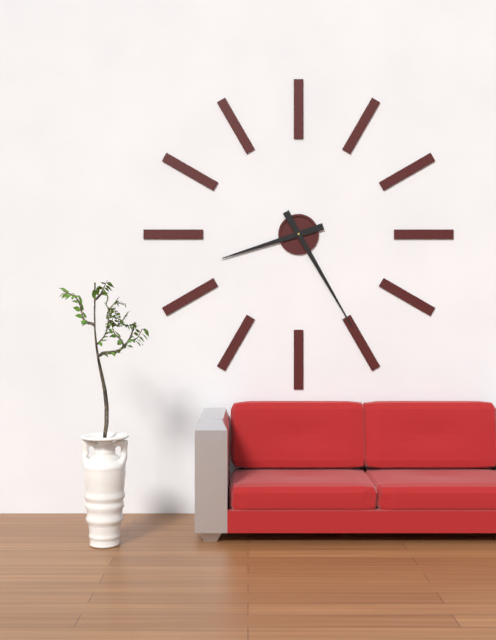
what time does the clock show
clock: 8:25
